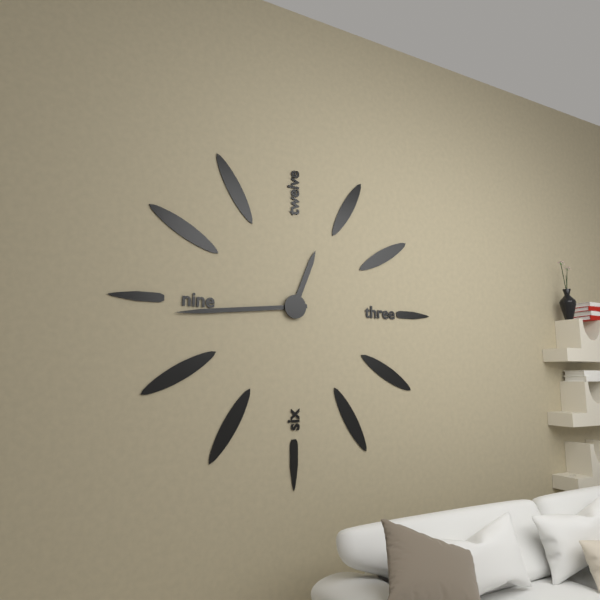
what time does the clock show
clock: 12:44
